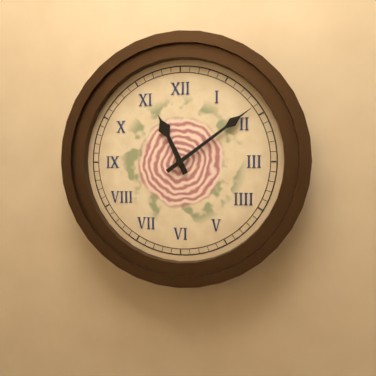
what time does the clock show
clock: 11:09
